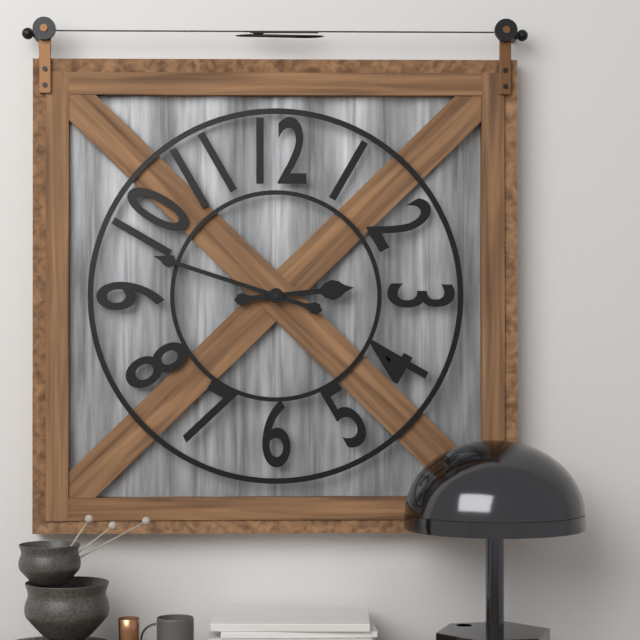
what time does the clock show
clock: 2:48
